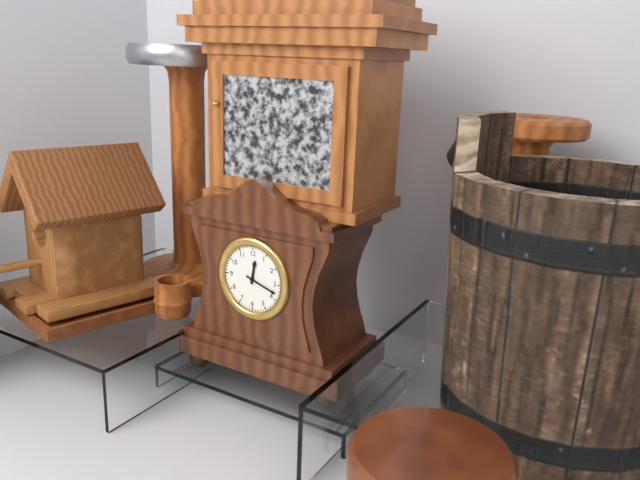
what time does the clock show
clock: 12:18
